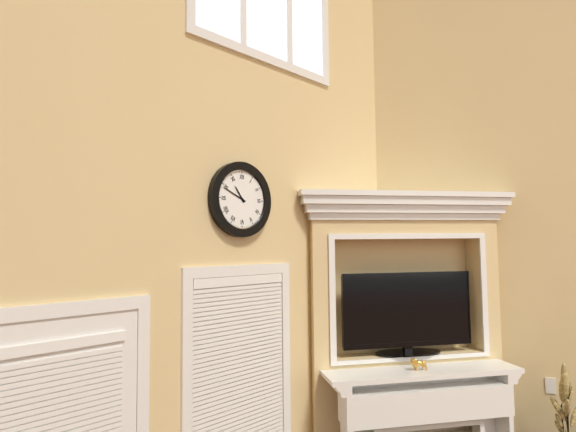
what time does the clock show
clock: 10:49
